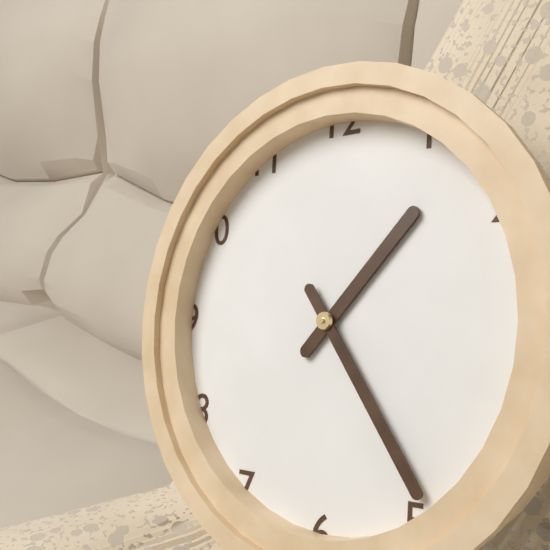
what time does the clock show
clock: 1:24
